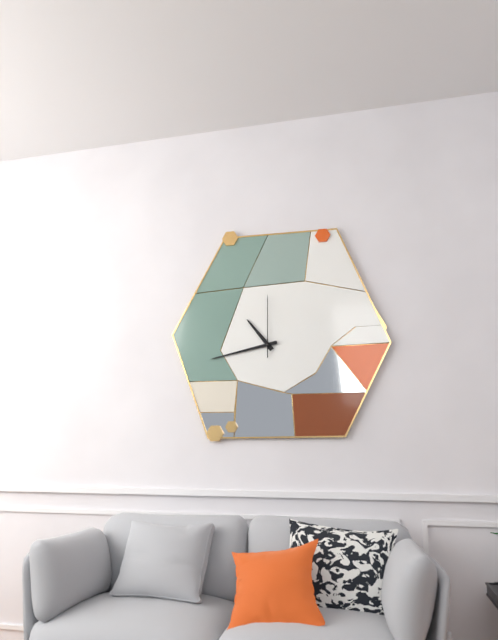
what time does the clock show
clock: 10:43:00
